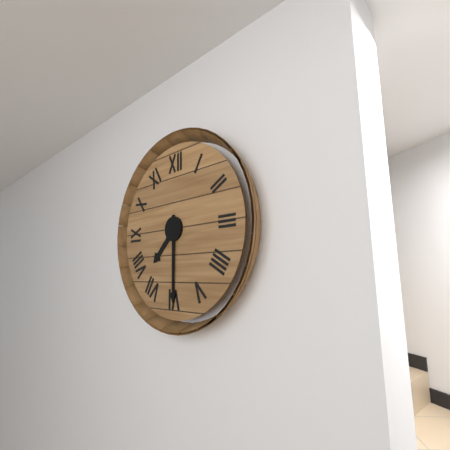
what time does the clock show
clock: 7:30
